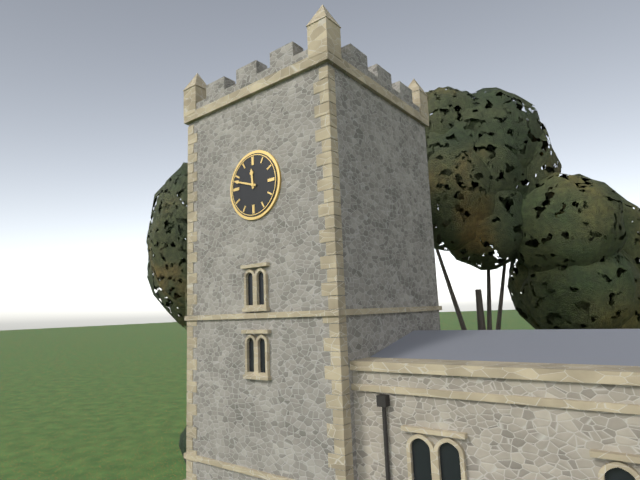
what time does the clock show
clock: 11:48
